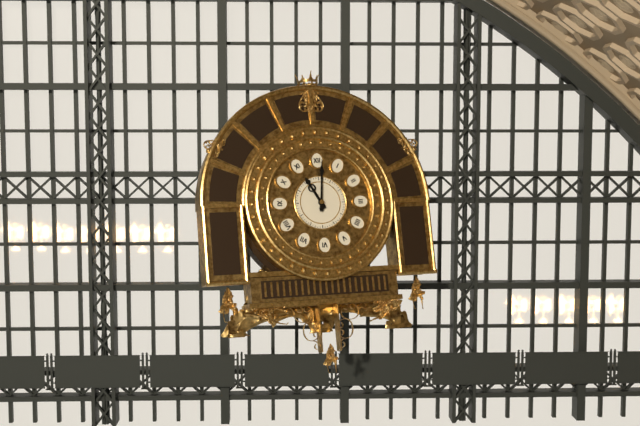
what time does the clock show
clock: 11:01
